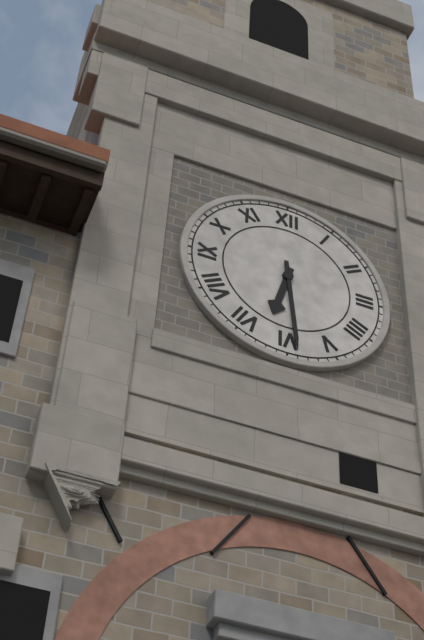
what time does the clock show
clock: 6:29
